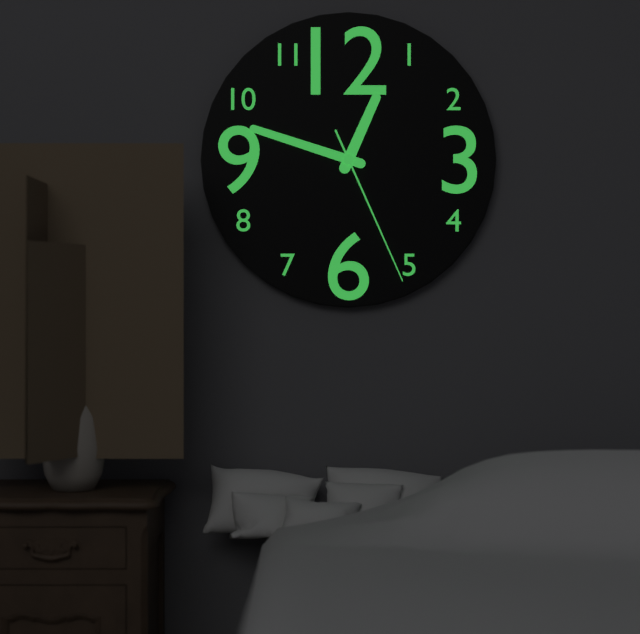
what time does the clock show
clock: 12:48:26
